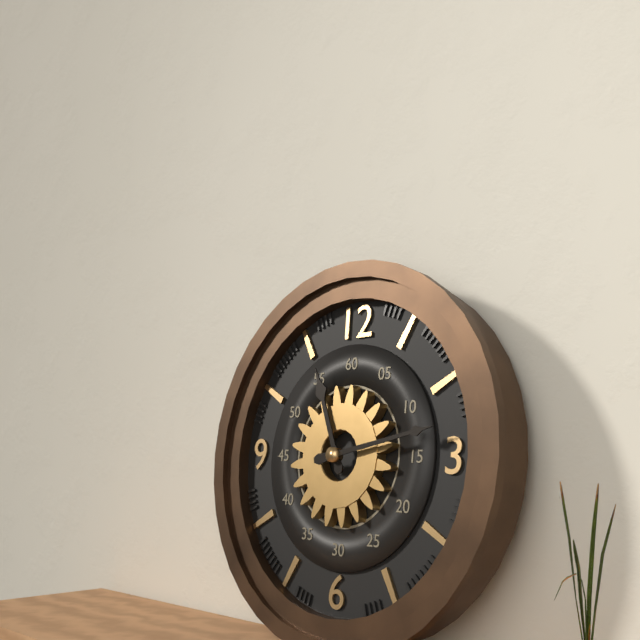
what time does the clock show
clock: 11:13
